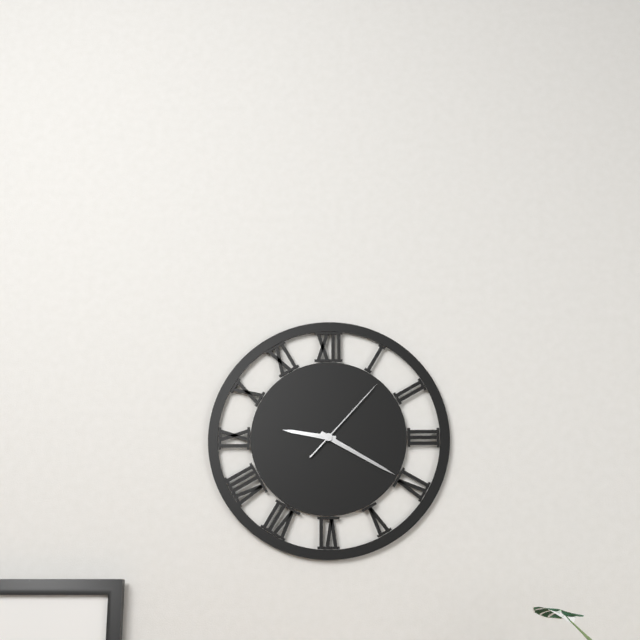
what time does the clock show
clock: 9:20:07
